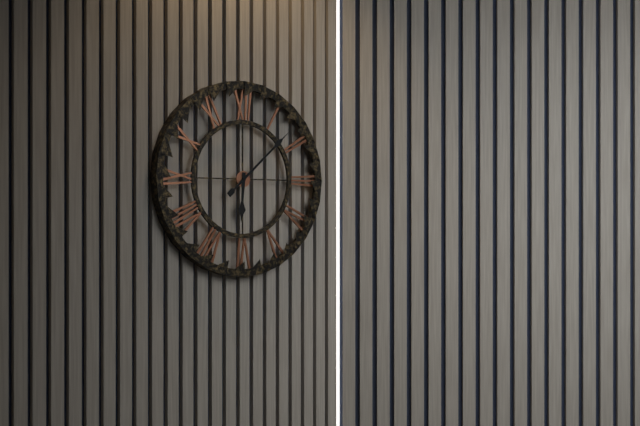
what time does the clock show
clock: 6:08
